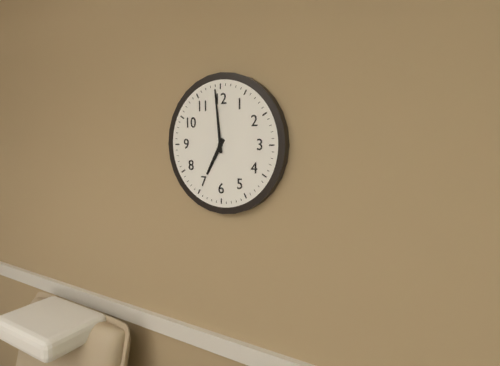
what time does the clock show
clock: 6:59
